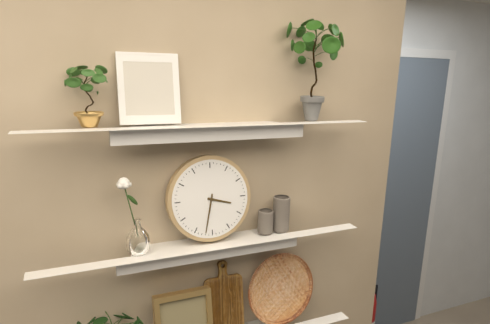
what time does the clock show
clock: 3:32
